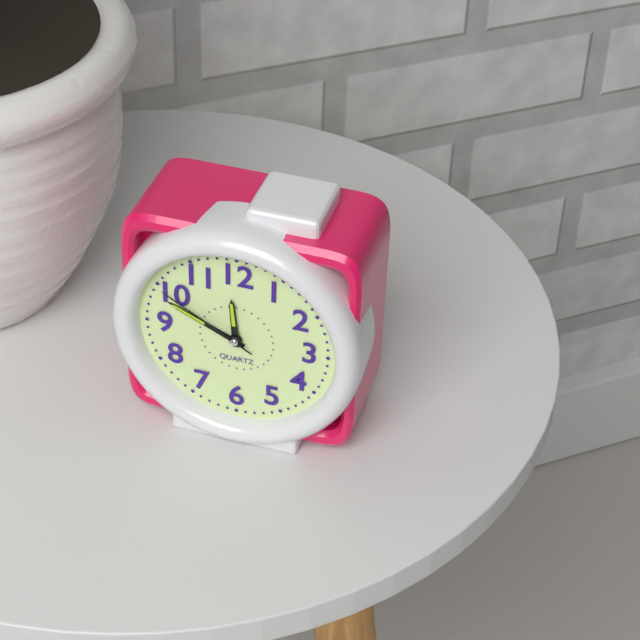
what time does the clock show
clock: 11:49:50
